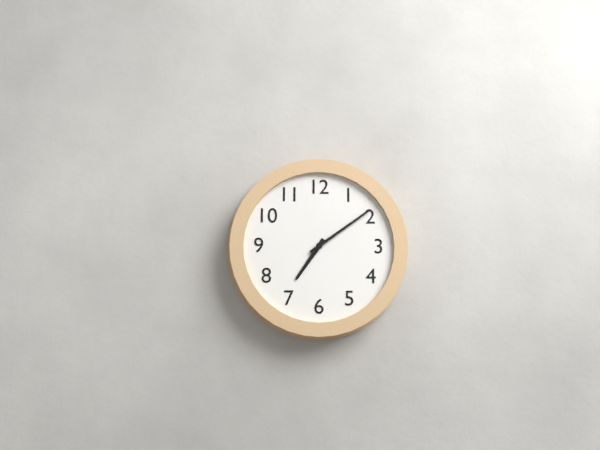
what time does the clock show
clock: 7:09
